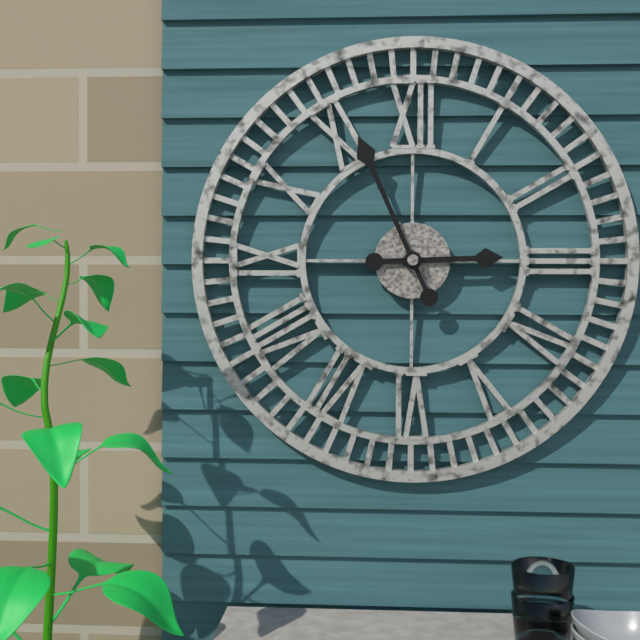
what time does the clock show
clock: 2:56
